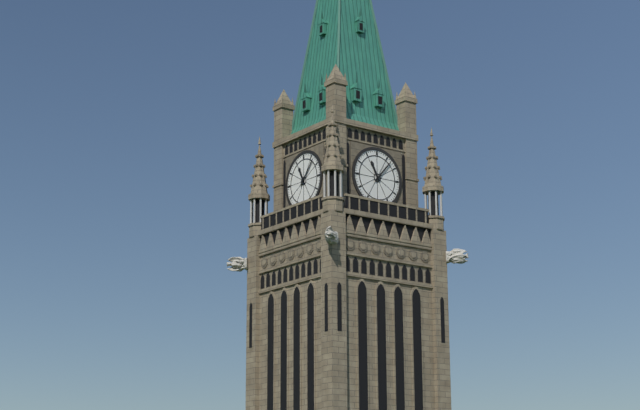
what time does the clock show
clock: 11:07
